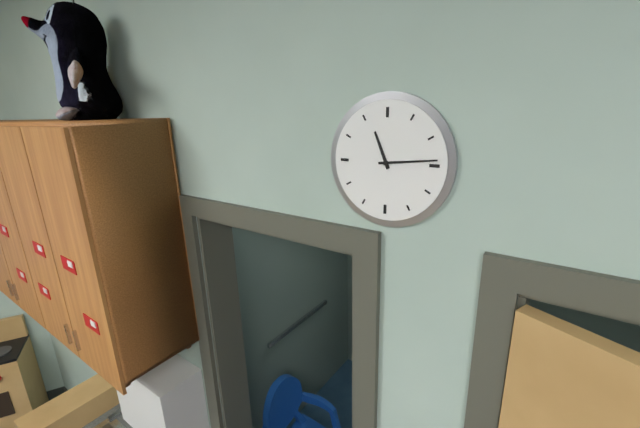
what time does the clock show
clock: 11:14
